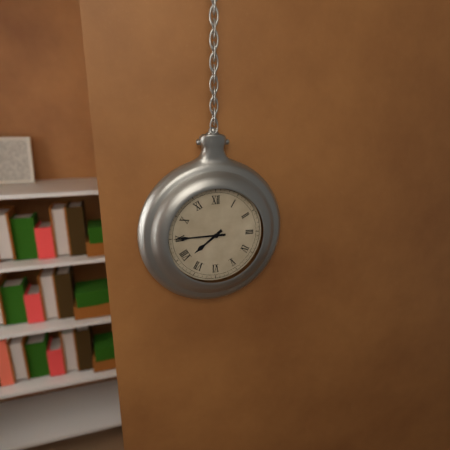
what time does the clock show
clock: 7:45
